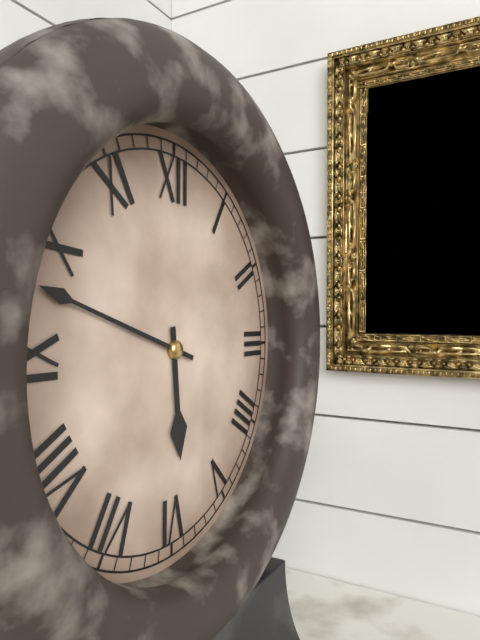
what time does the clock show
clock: 5:48
